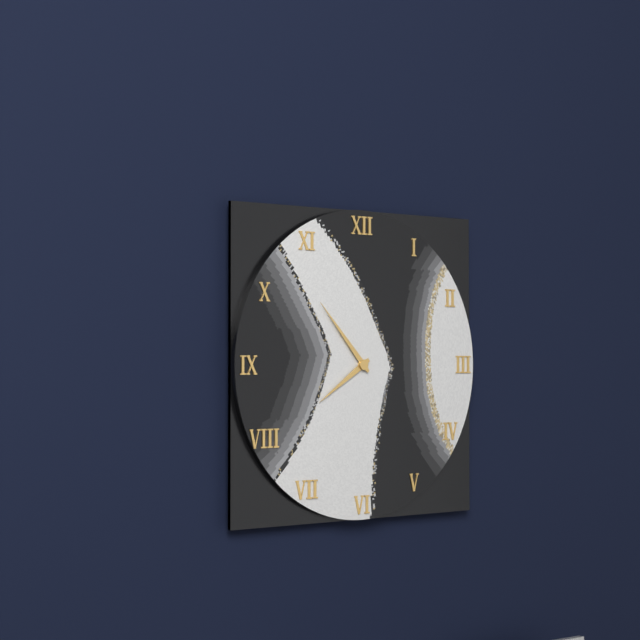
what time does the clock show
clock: 7:53
